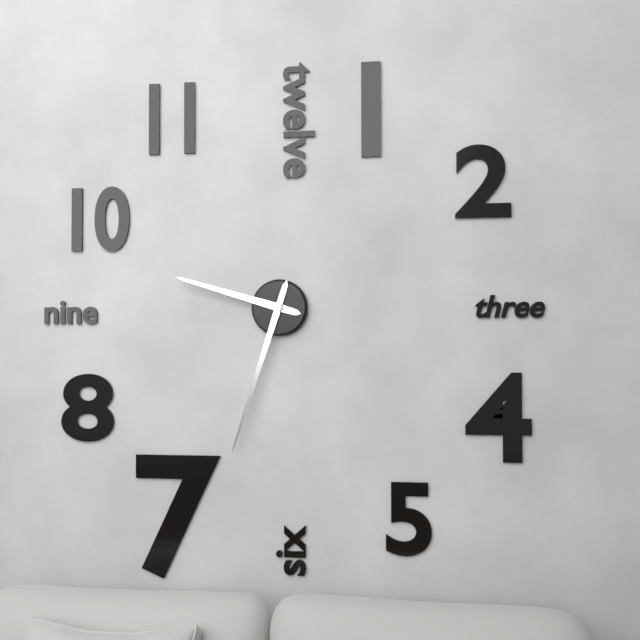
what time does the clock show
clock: 9:33
